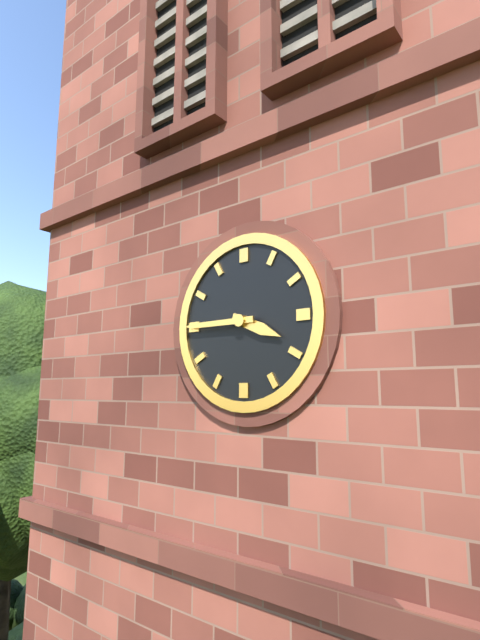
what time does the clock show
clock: 3:45
